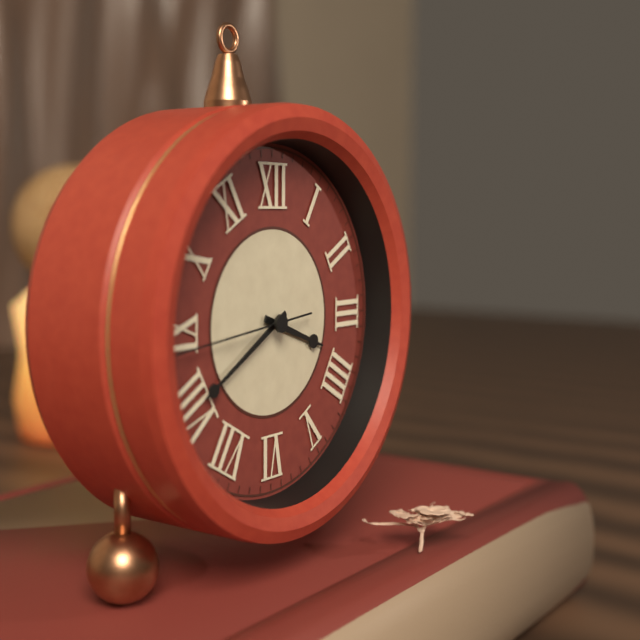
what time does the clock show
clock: 3:40:44
